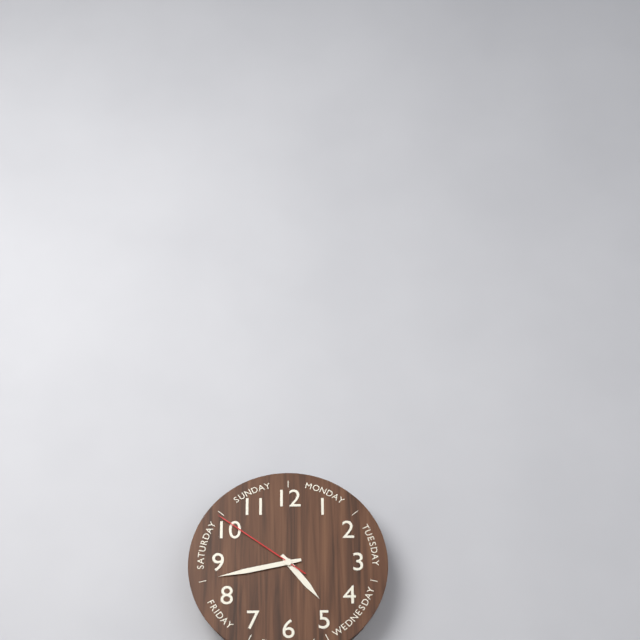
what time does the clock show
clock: 4:43:51
